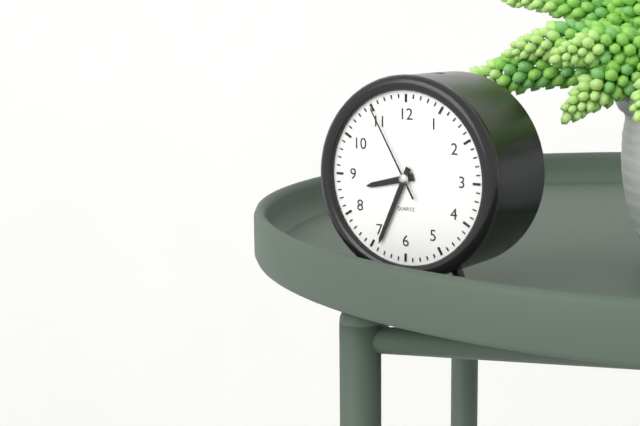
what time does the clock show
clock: 8:34:55
